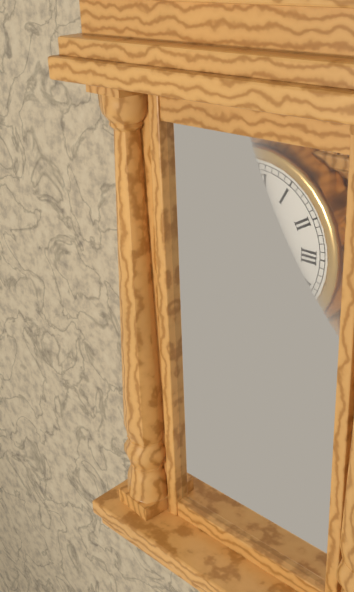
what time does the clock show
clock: 12:24
